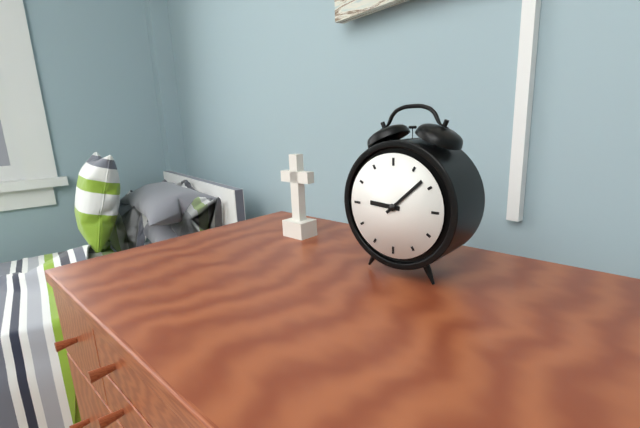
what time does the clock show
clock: 9:08
